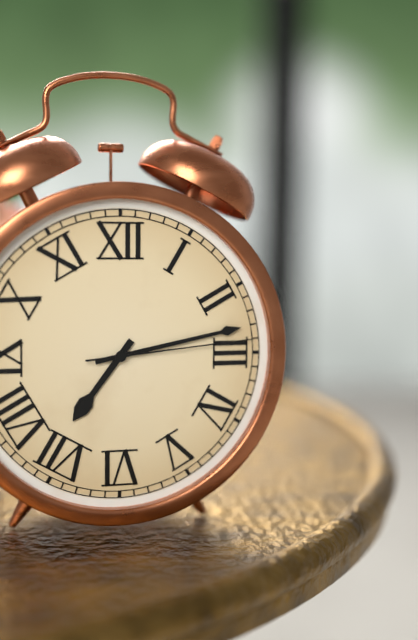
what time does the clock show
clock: 7:13:14
